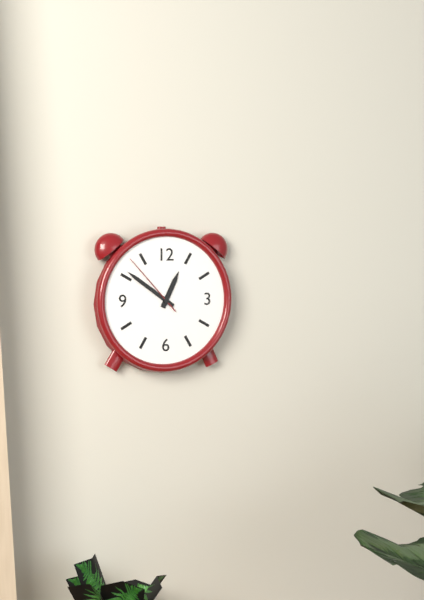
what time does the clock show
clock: 12:51:53
